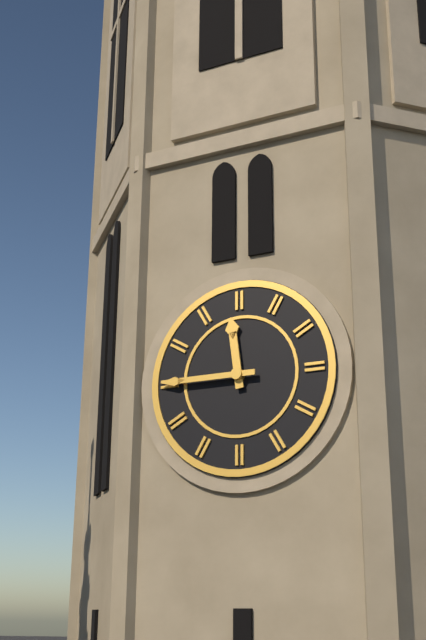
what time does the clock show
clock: 11:45
